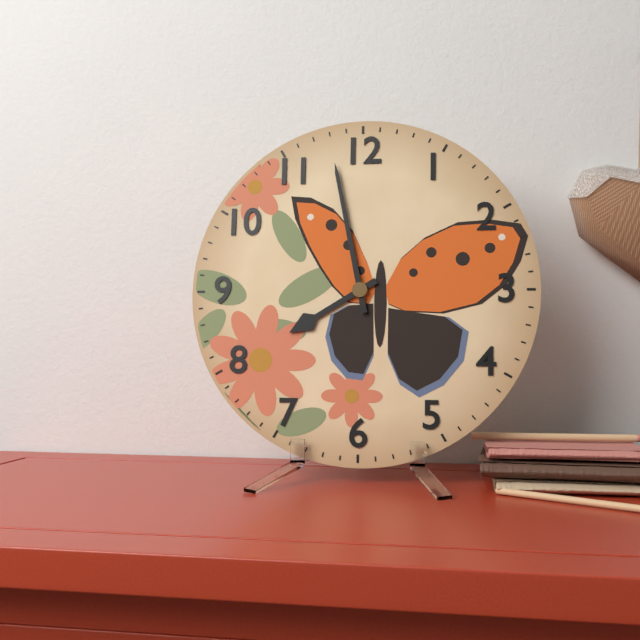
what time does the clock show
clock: 7:58
